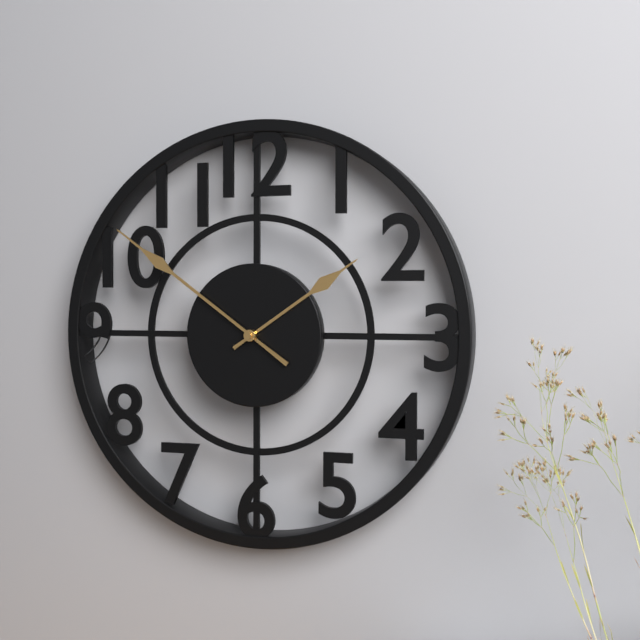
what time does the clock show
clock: 1:51
